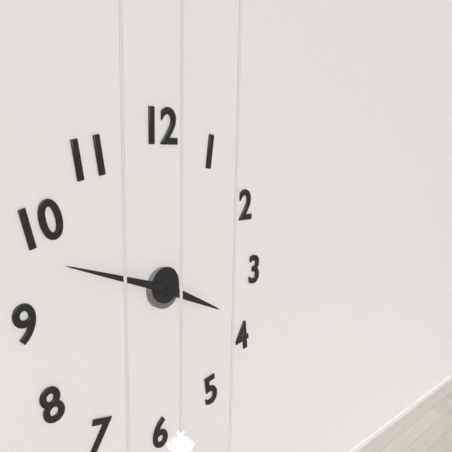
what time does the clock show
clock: 3:48
